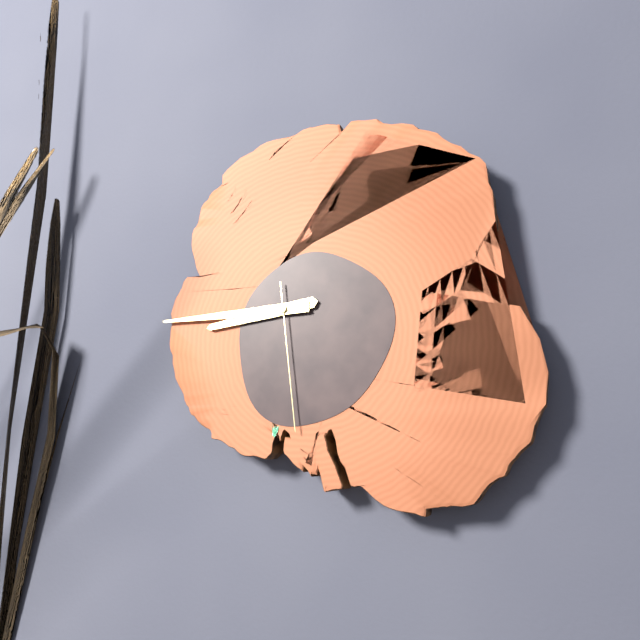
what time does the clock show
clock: 8:45:29
